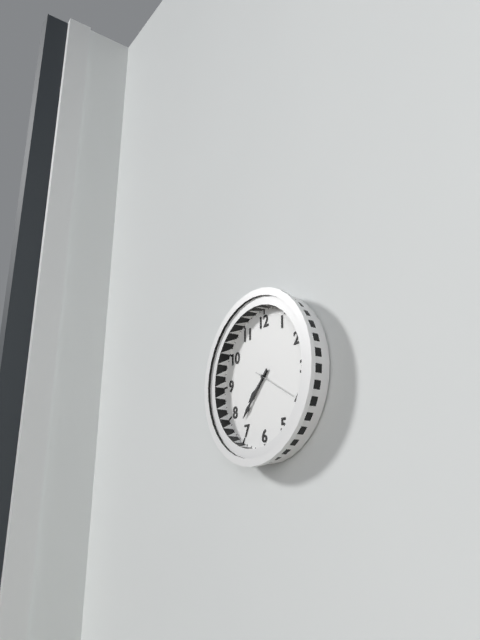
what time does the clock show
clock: 7:37
